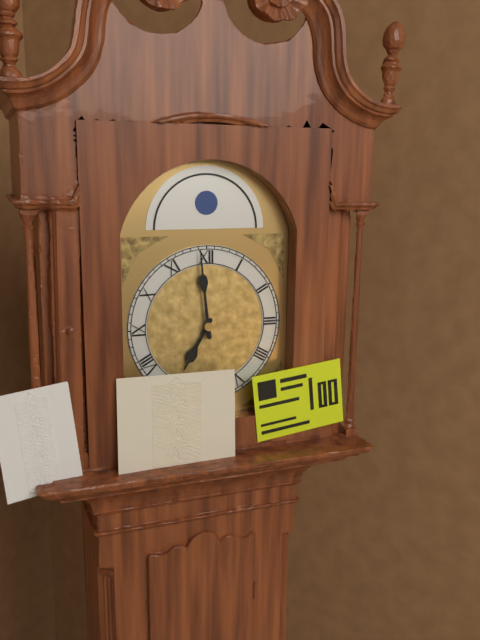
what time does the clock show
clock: 6:59
